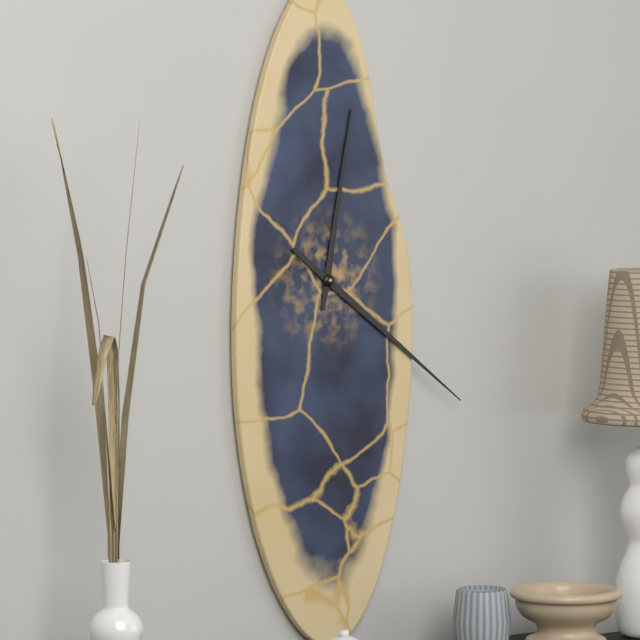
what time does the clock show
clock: 12:21
